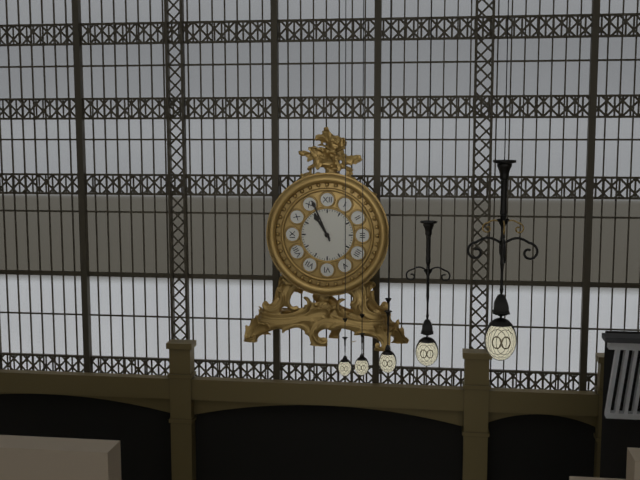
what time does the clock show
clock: 10:56
